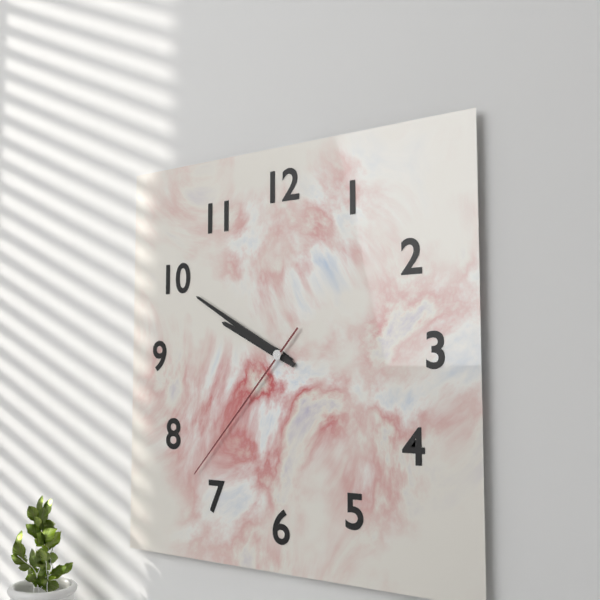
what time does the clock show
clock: 9:50:37
